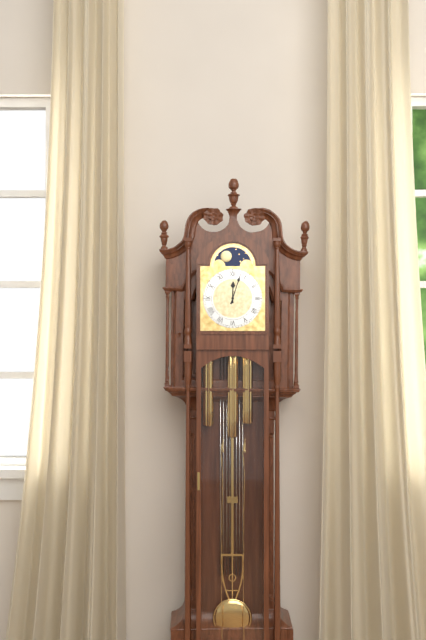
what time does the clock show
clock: 12:03
